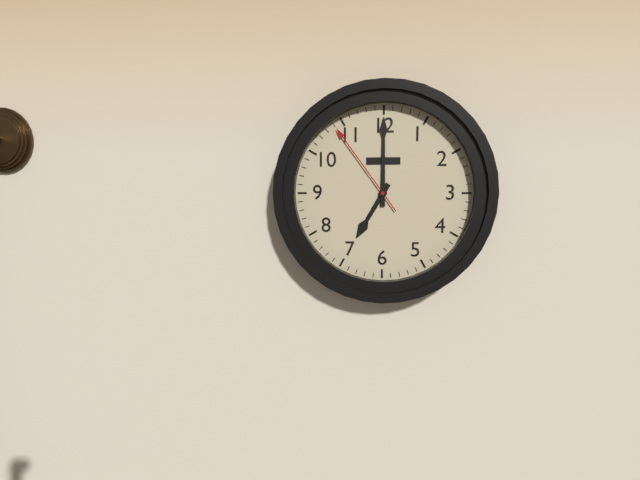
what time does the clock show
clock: 7:00:54
